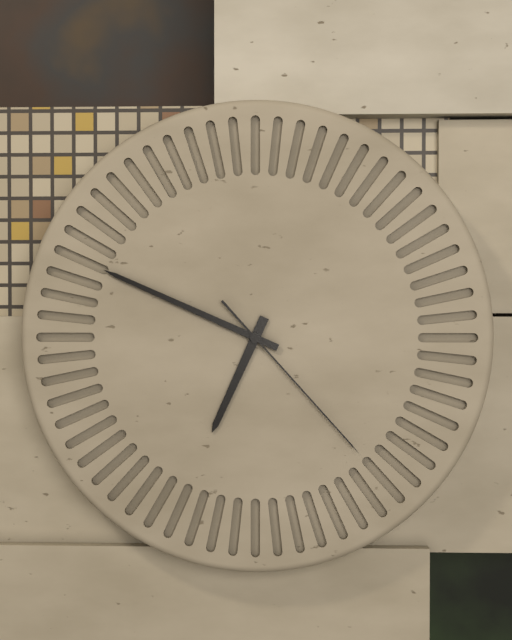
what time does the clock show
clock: 6:49:23
